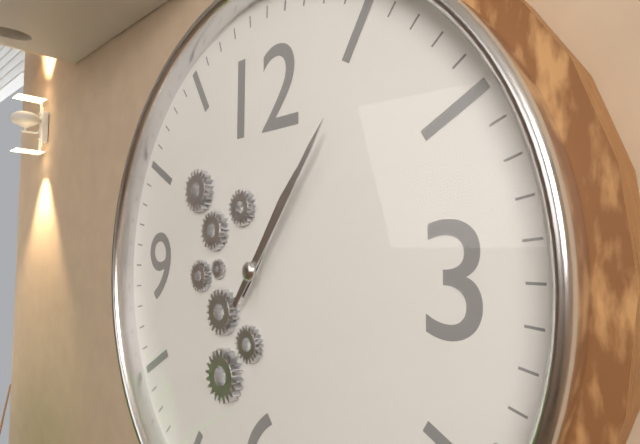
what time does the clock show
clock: 1:06
